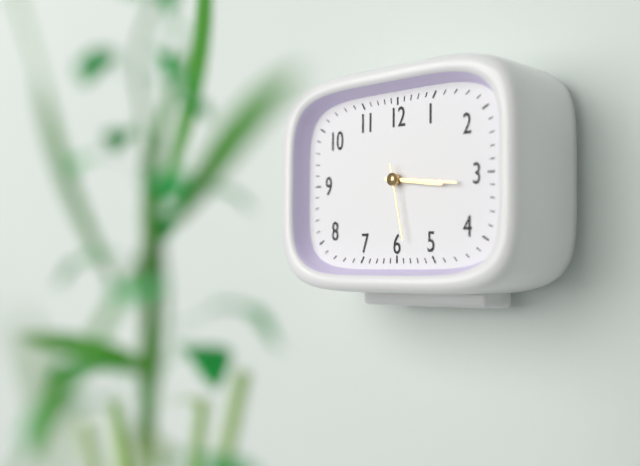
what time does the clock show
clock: 3:16:28
